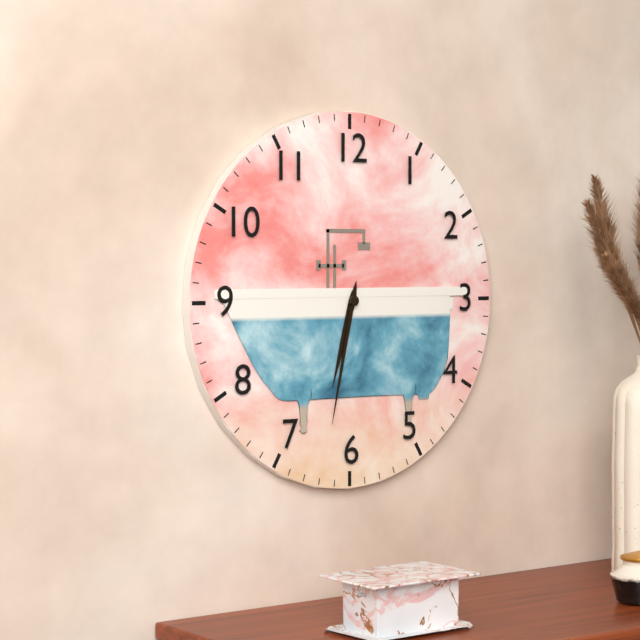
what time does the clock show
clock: 6:32
